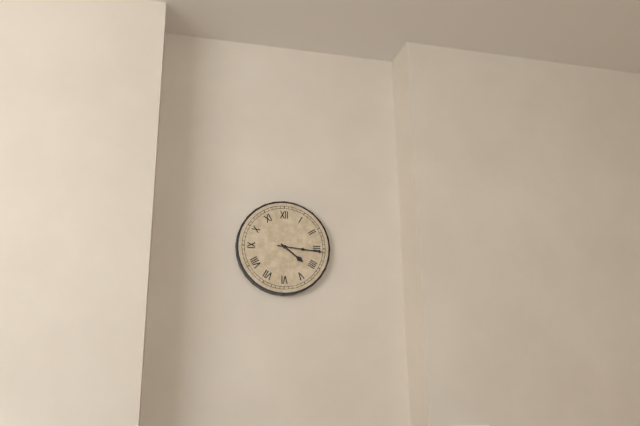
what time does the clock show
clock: 4:16
